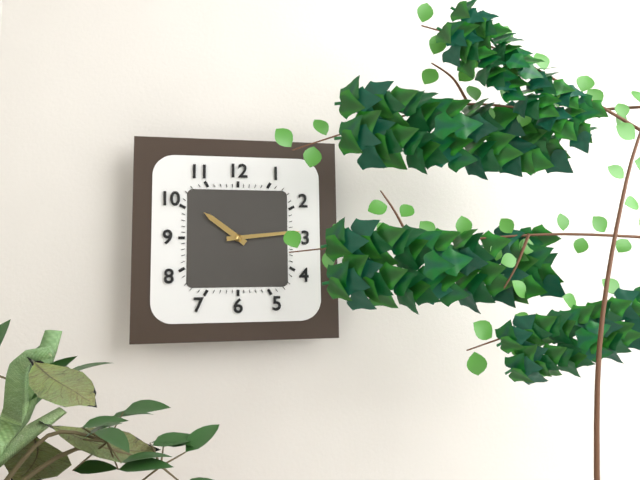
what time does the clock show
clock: 10:14
